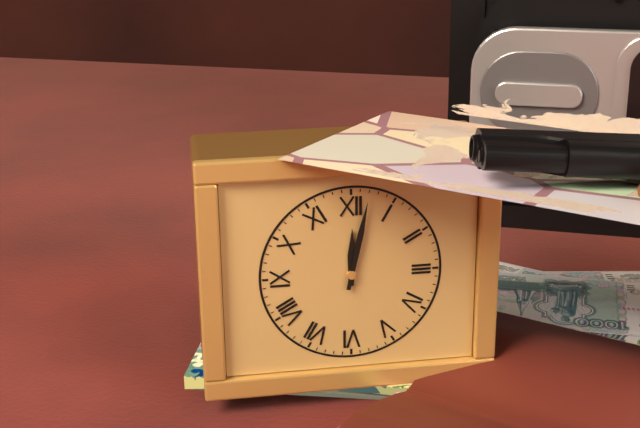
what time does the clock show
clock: 12:02
